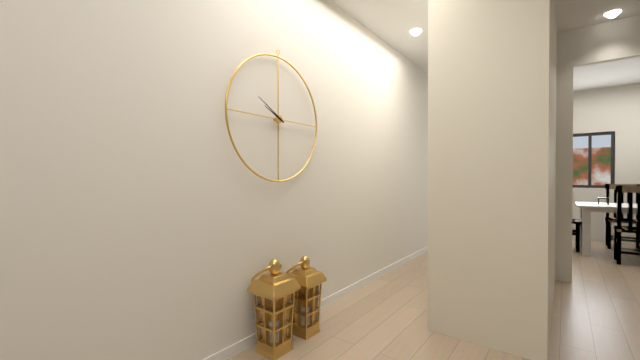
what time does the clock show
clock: 9:50
